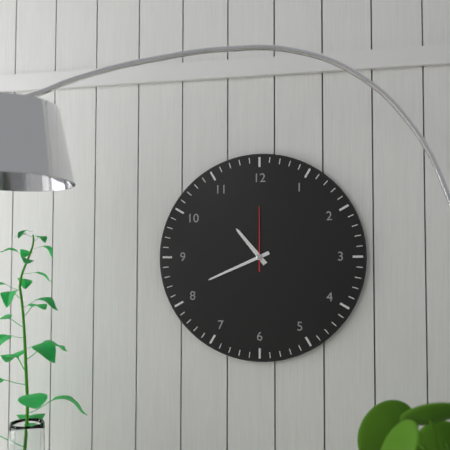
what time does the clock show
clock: 10:41:00
